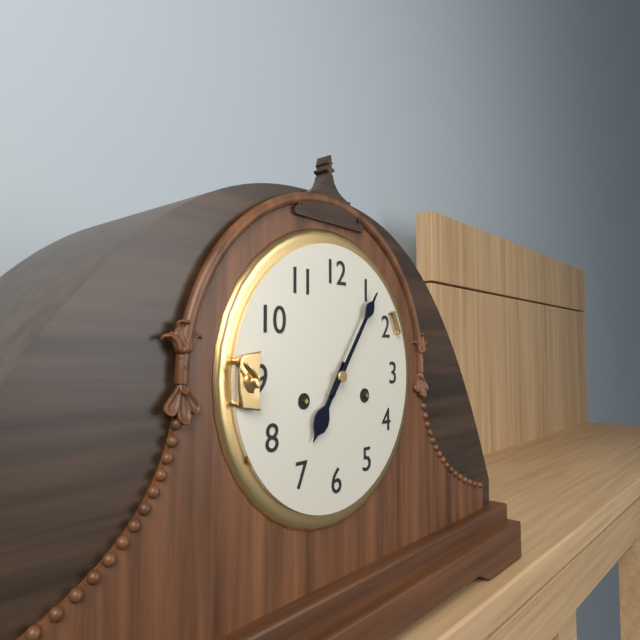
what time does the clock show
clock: 7:06
